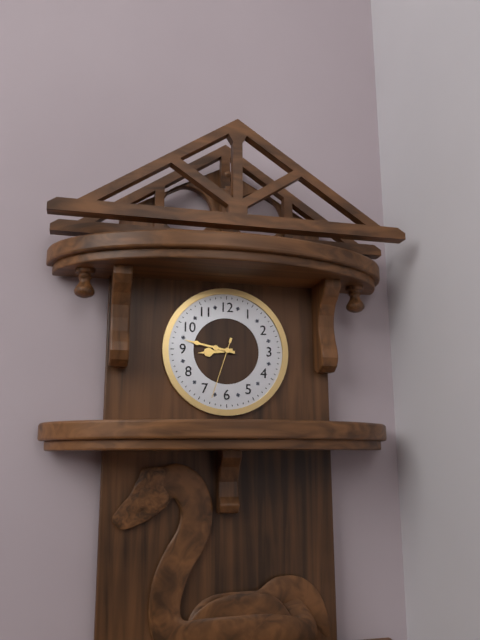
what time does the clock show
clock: 8:47:33
